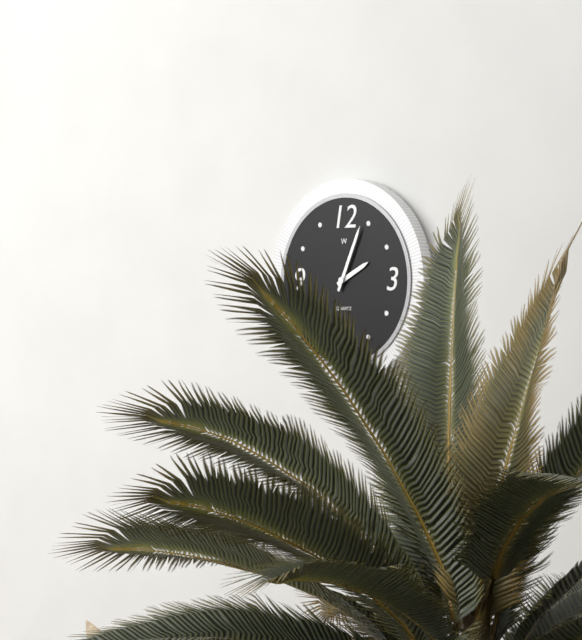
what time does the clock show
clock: 2:04
